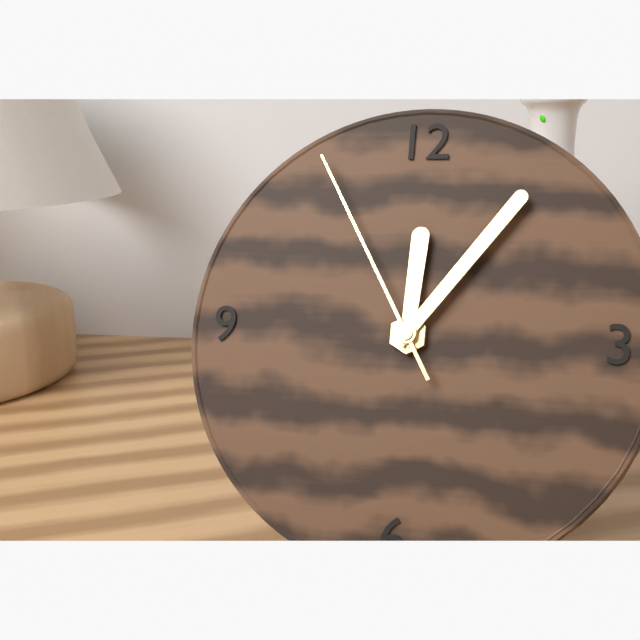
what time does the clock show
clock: 12:06:55
